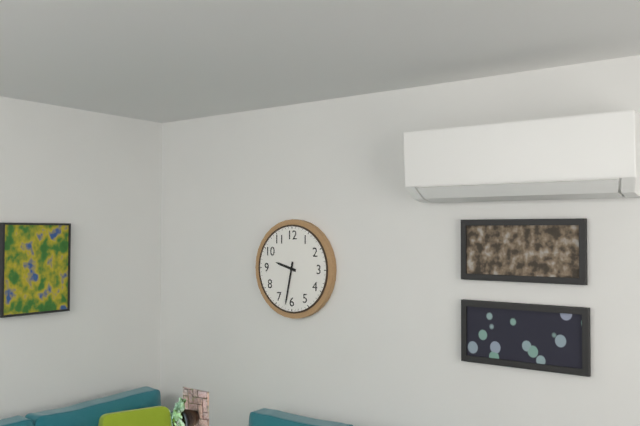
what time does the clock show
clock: 9:32
